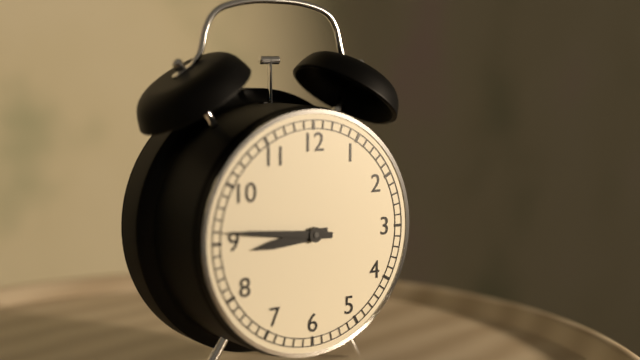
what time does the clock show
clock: 8:46
